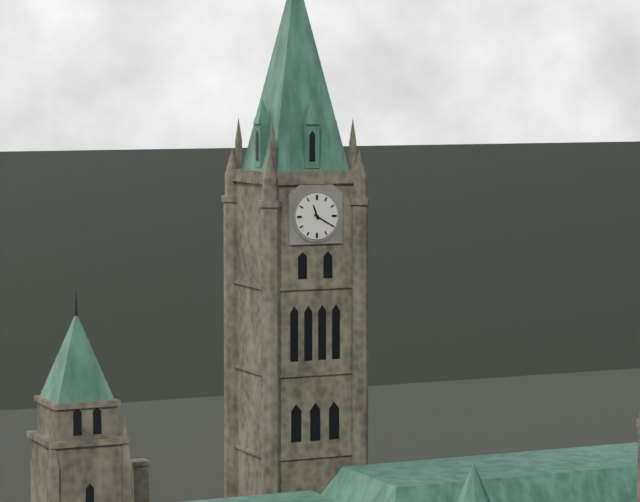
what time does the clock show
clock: 11:20
